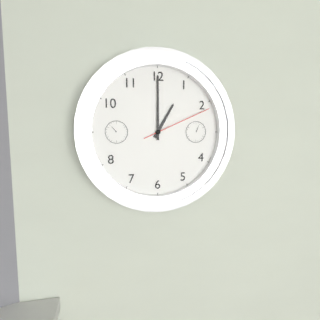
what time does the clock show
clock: 1:00:11
